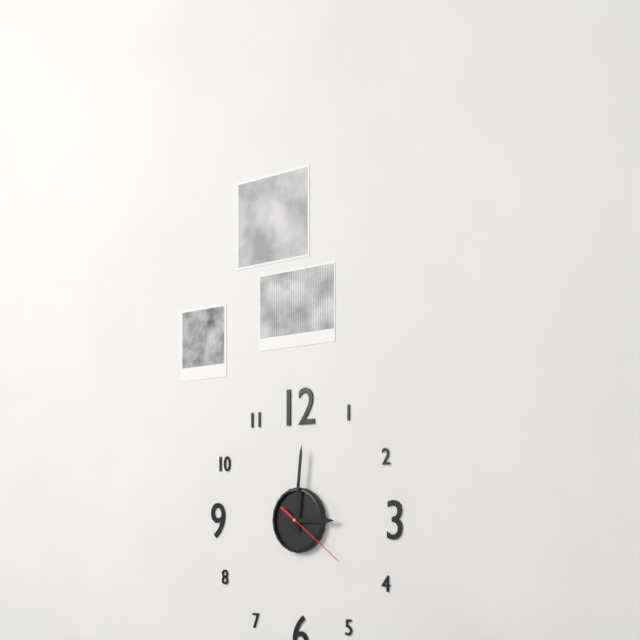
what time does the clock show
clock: 3:01:21
